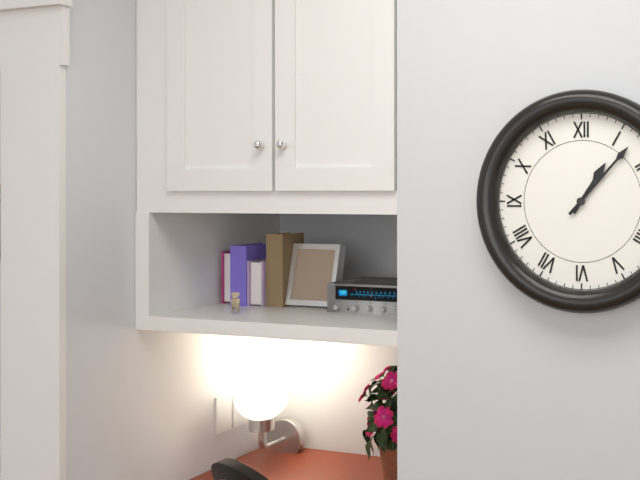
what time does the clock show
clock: 1:07
